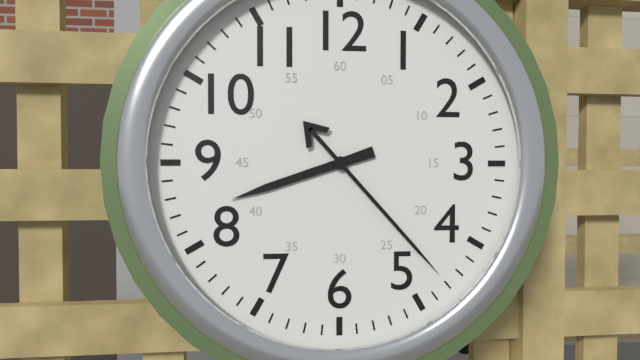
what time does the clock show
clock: 8:23
